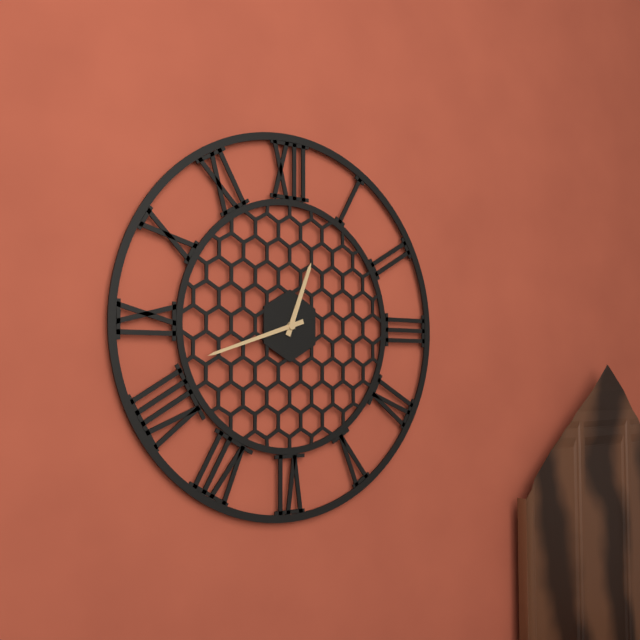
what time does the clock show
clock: 12:42
